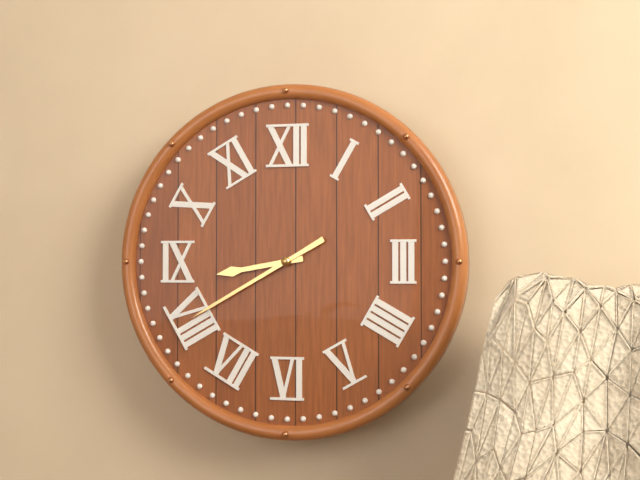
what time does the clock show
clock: 8:40
